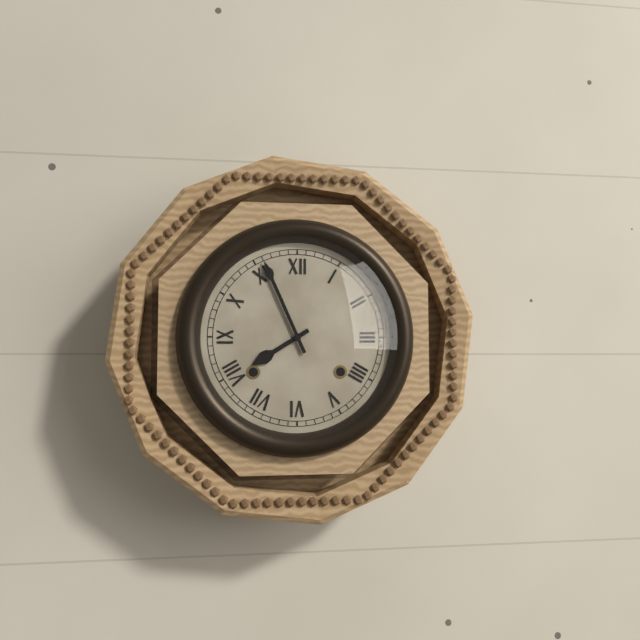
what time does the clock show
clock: 7:56
